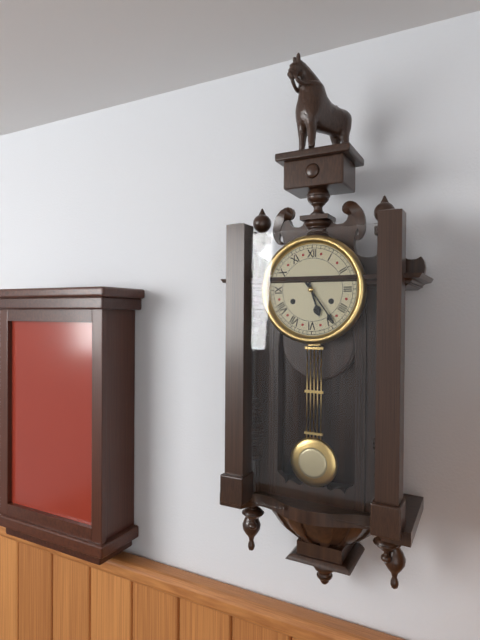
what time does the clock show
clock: 5:24
